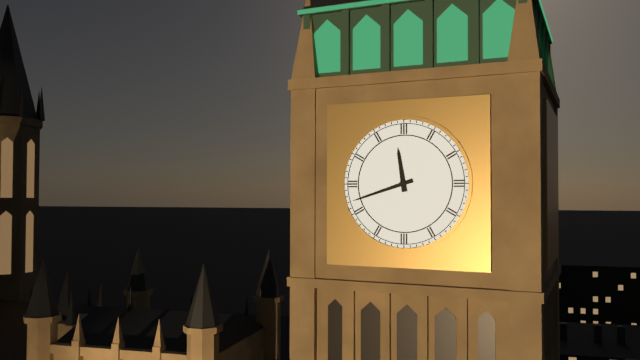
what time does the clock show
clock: 11:42
